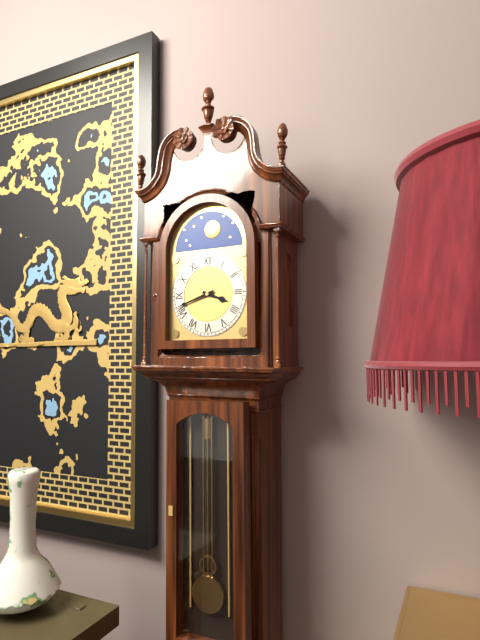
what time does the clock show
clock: 3:42
